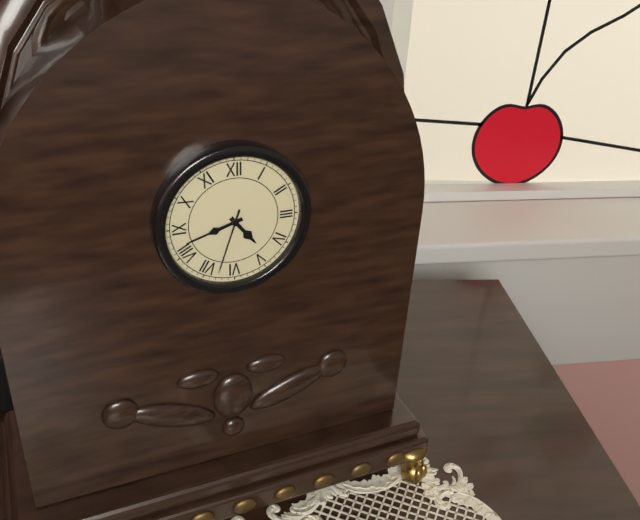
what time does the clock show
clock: 4:42:33
